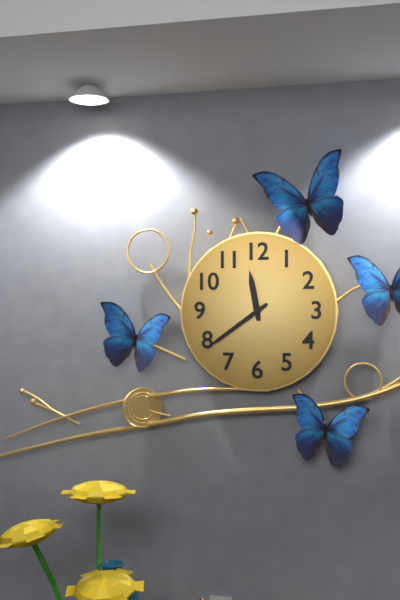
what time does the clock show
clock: 11:39
